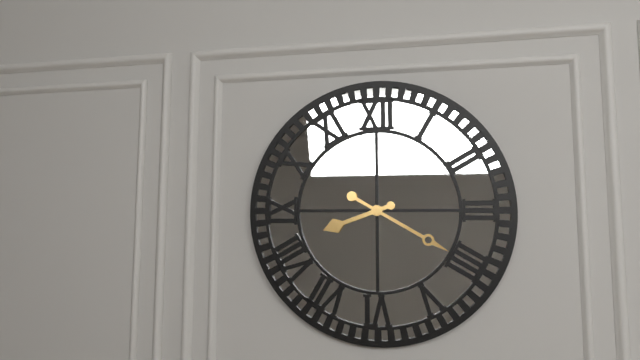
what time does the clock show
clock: 8:20
